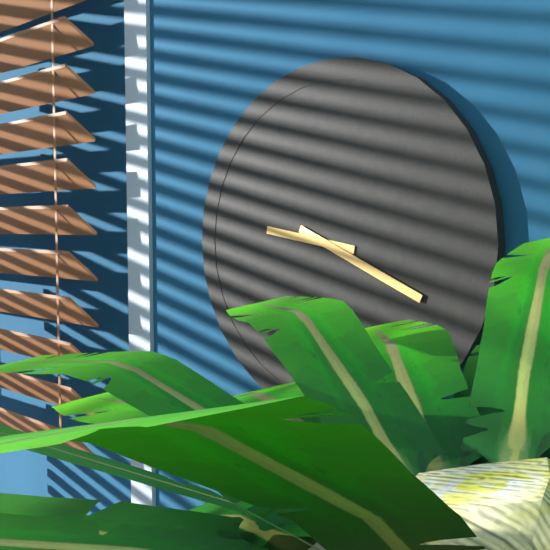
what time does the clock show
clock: 9:19
